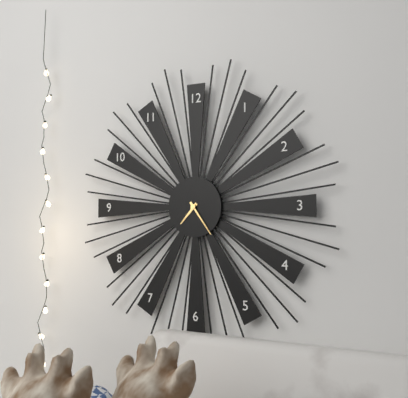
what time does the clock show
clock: 7:24
